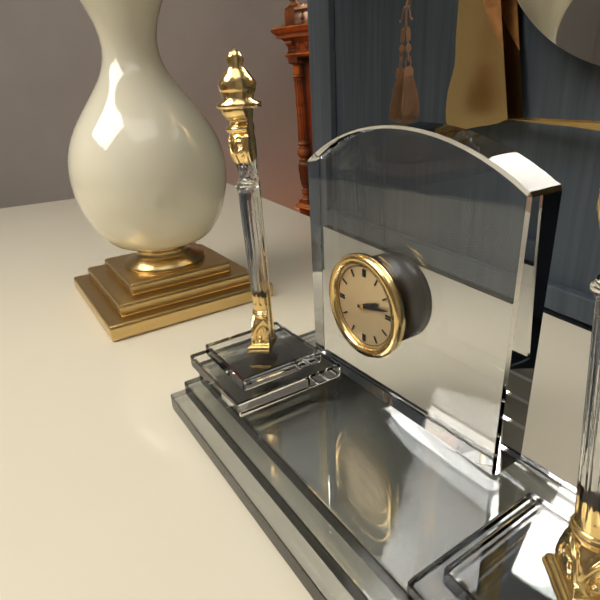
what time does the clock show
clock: 2:13
